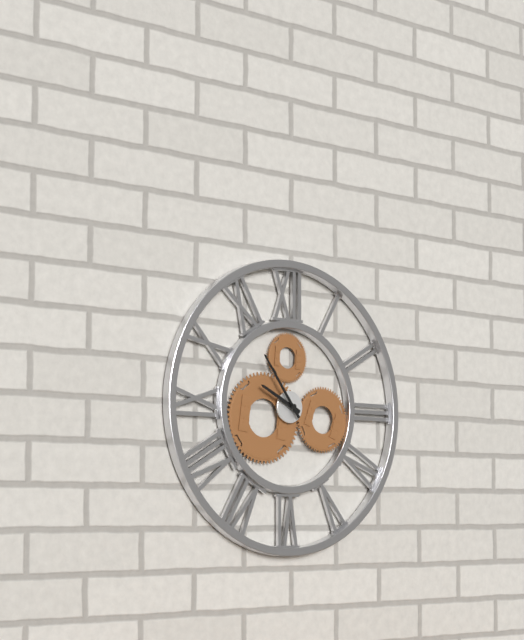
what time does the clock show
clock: 9:54
